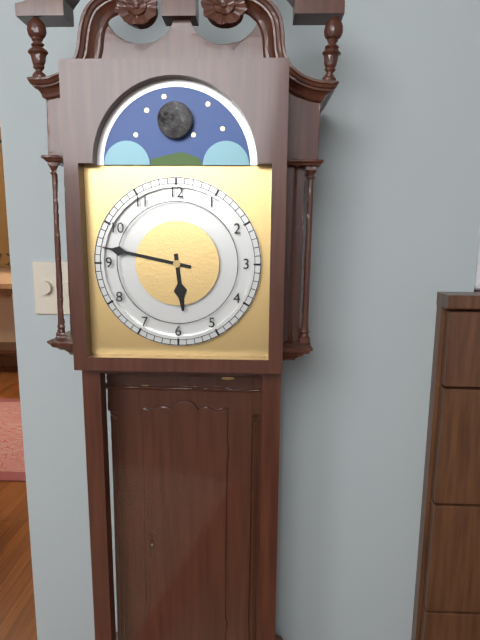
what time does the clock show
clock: 5:47
